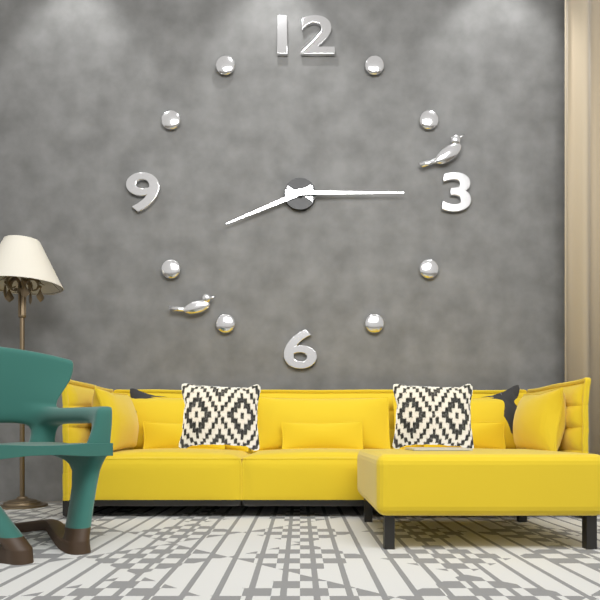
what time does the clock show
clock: 8:15
